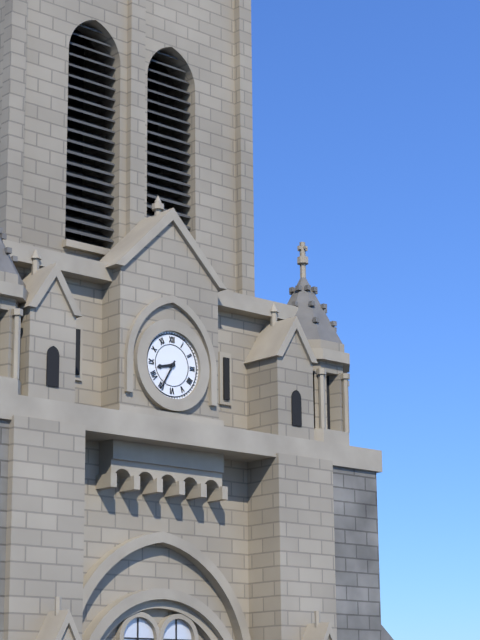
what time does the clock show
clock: 8:35
